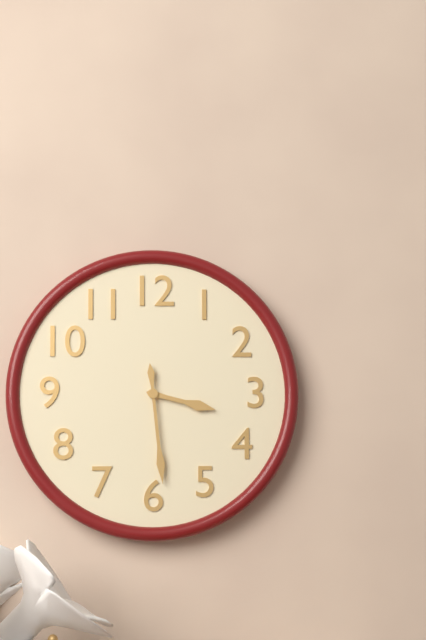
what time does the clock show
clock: 3:29
